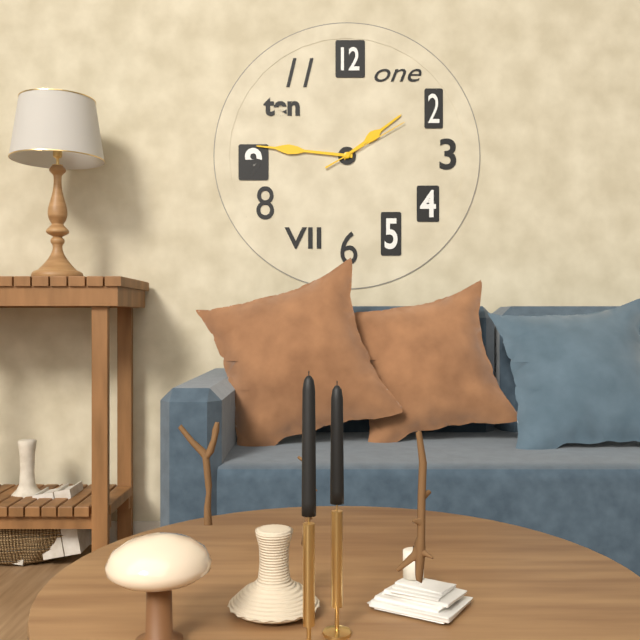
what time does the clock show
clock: 1:46:10
